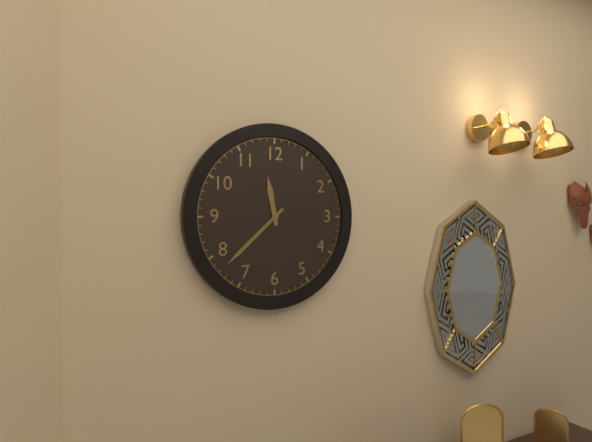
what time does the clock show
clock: 11:38
